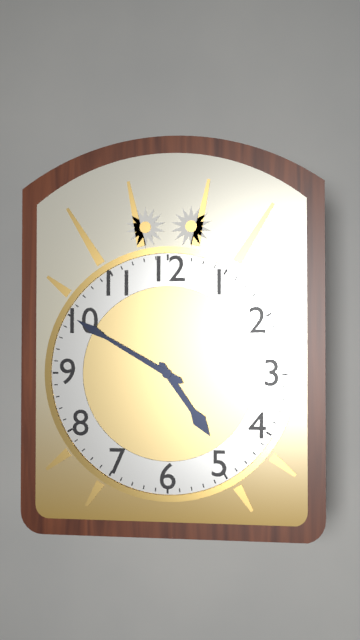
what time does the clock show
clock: 4:50
